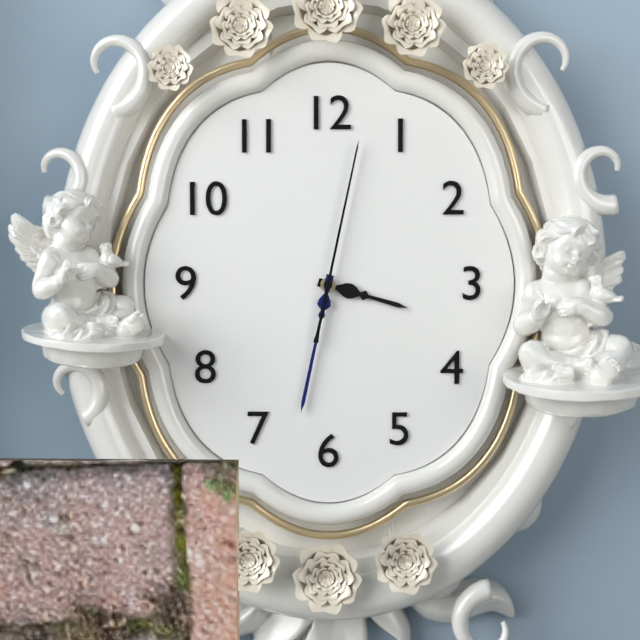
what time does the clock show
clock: 3:32:02
